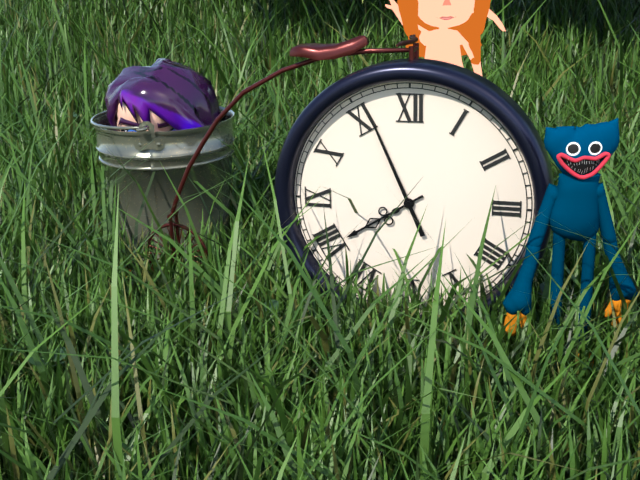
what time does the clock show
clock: 7:56
